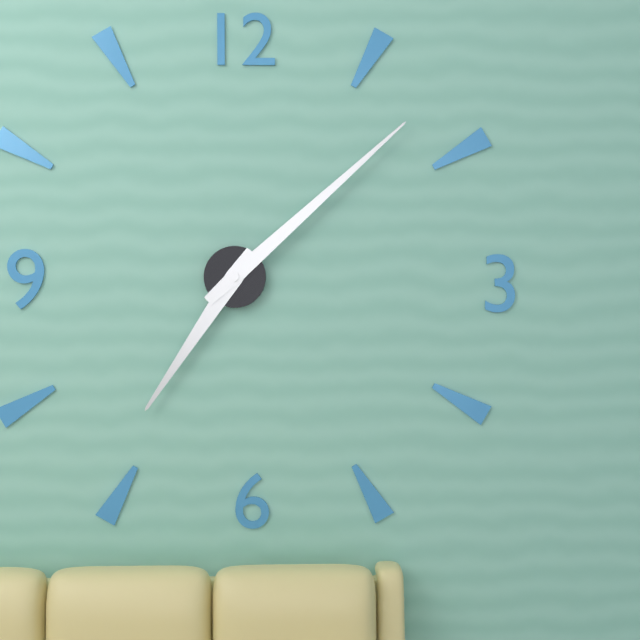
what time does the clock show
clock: 7:08
